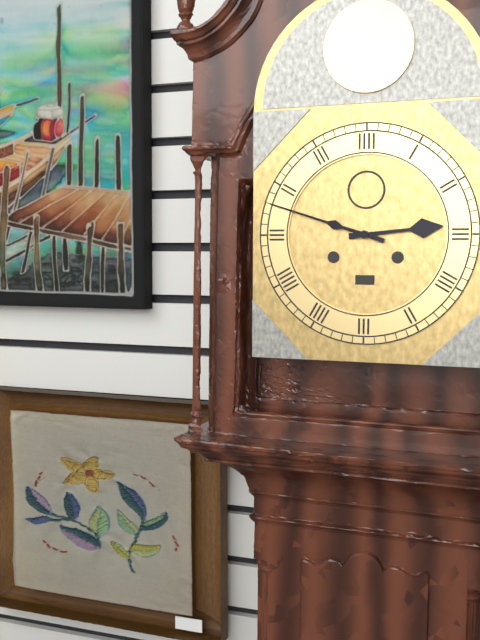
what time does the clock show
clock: 2:48
